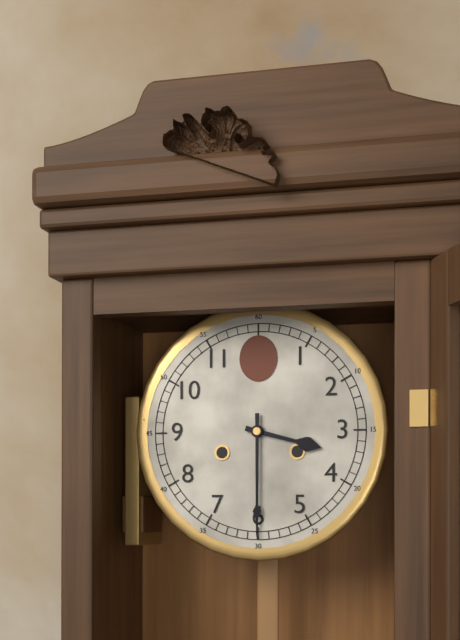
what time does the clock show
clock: 3:30
